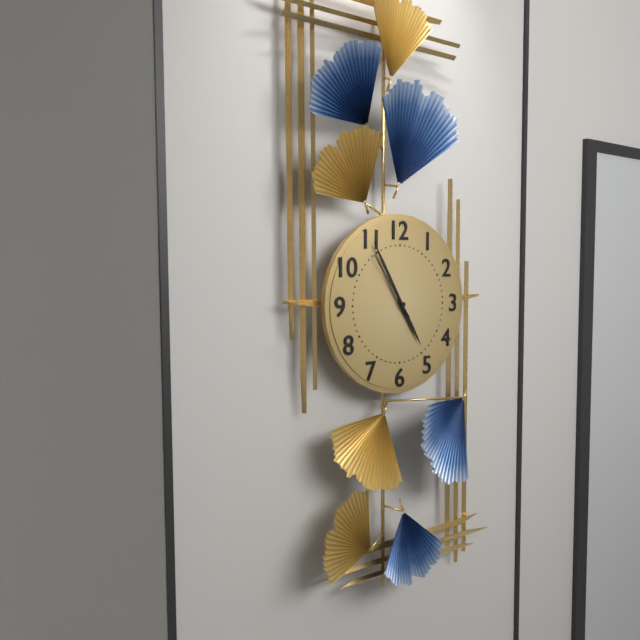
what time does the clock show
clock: 4:55:54
